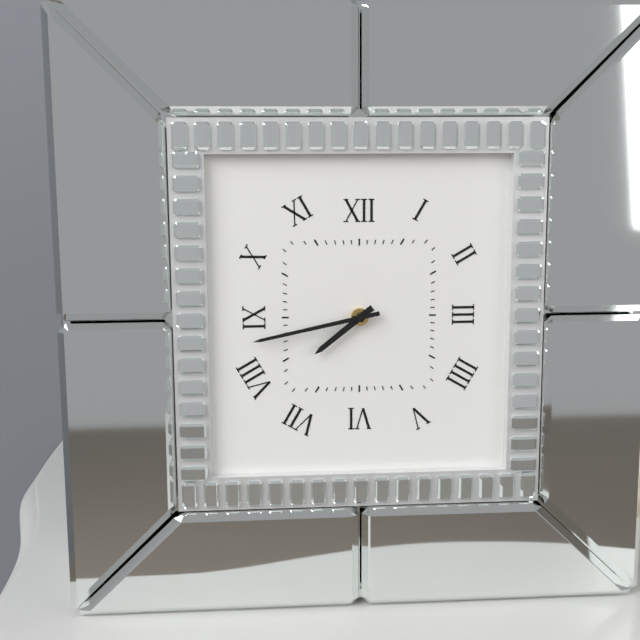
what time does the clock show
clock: 7:43
